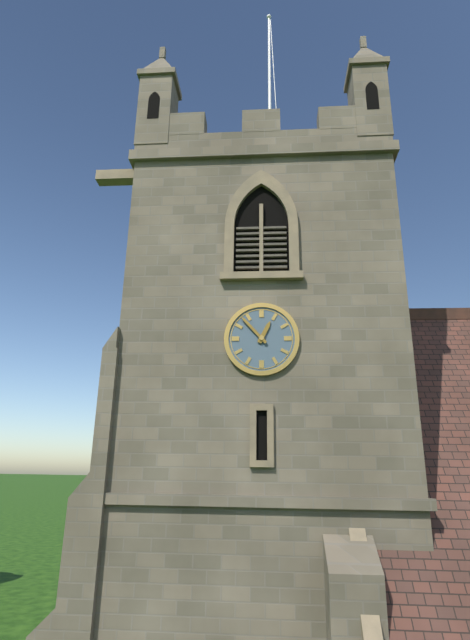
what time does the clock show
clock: 12:53
